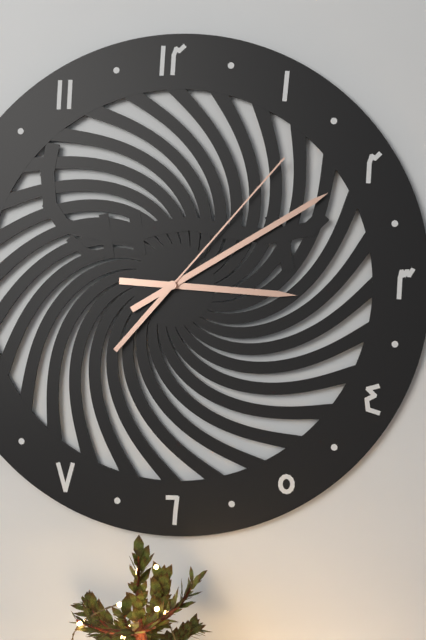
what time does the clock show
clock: 3:10:07
